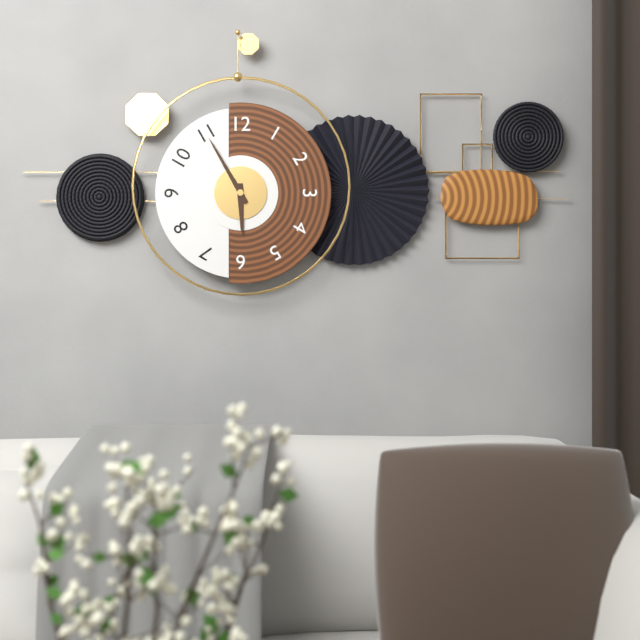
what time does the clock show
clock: 5:55
